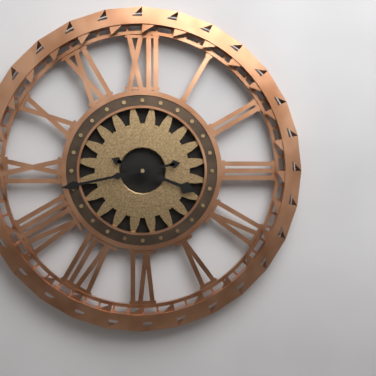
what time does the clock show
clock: 3:43
